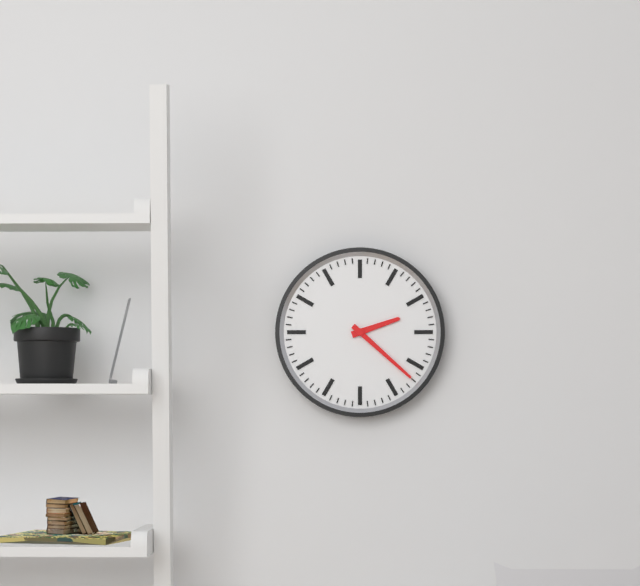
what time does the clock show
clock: 2:22
